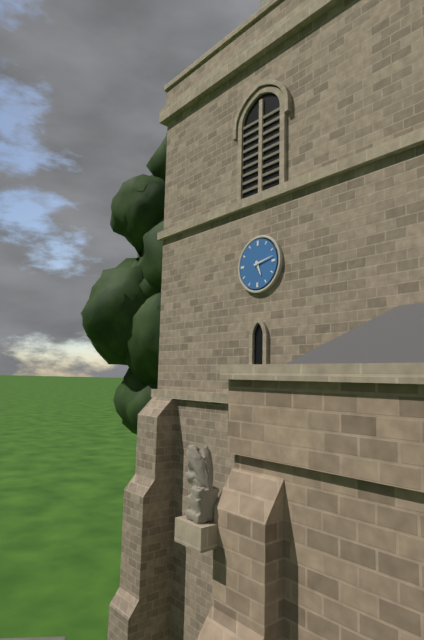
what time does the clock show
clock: 5:13
